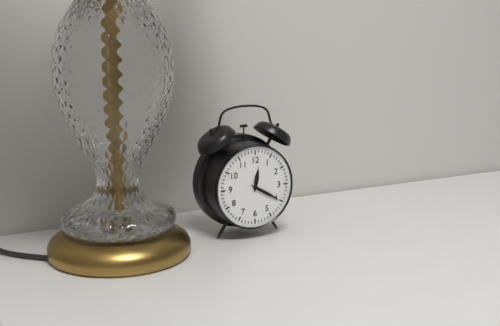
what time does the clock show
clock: 12:20
